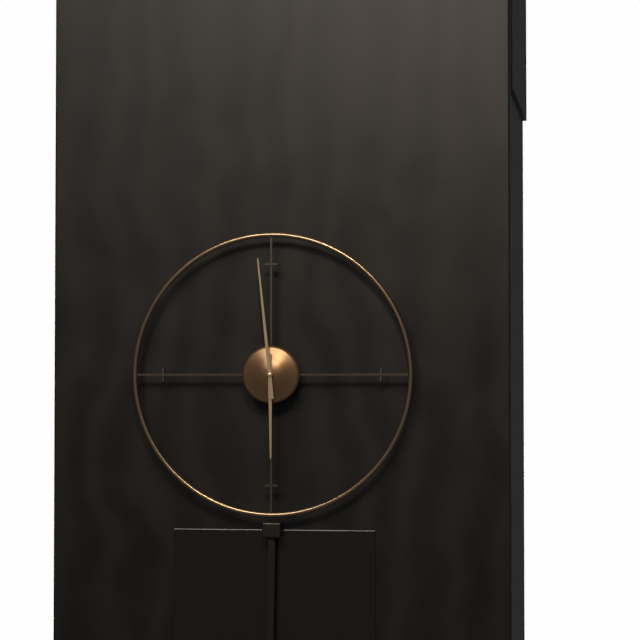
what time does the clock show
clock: 5:59
